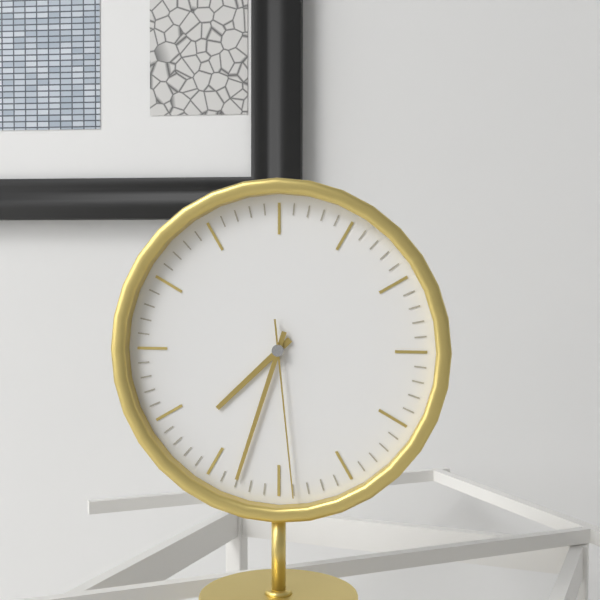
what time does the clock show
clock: 7:33:29
